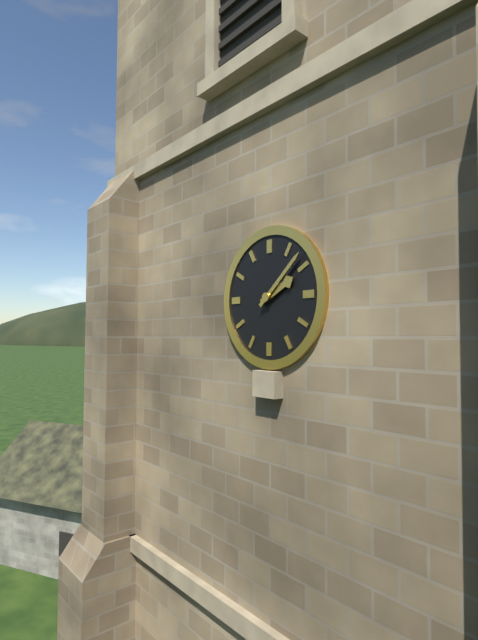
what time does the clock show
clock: 2:08
